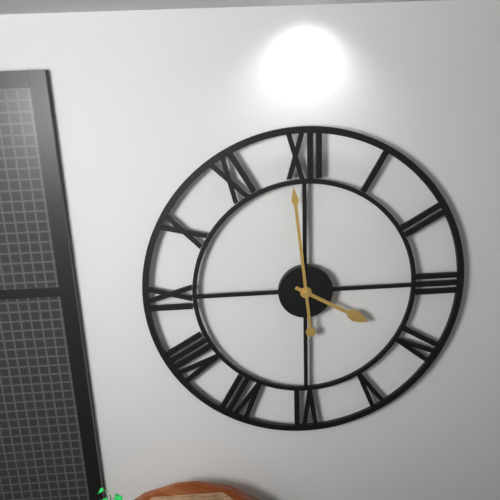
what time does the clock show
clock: 3:59
